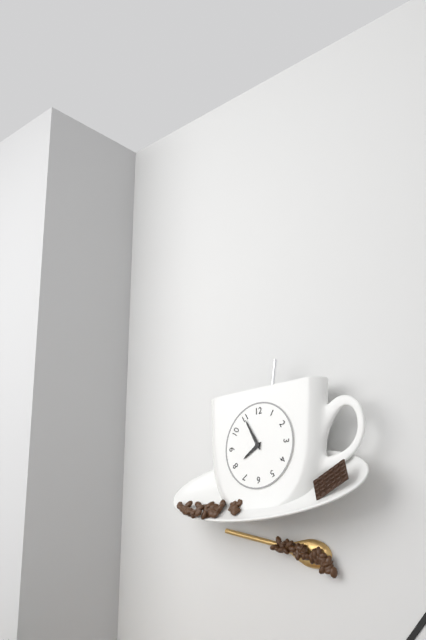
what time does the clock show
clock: 7:55
